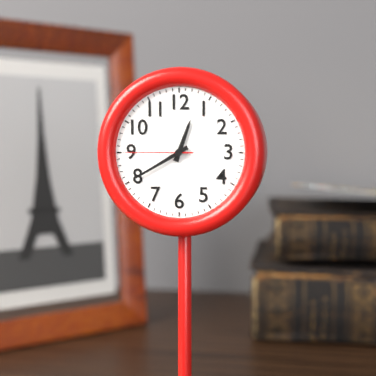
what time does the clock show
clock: 12:40:45
